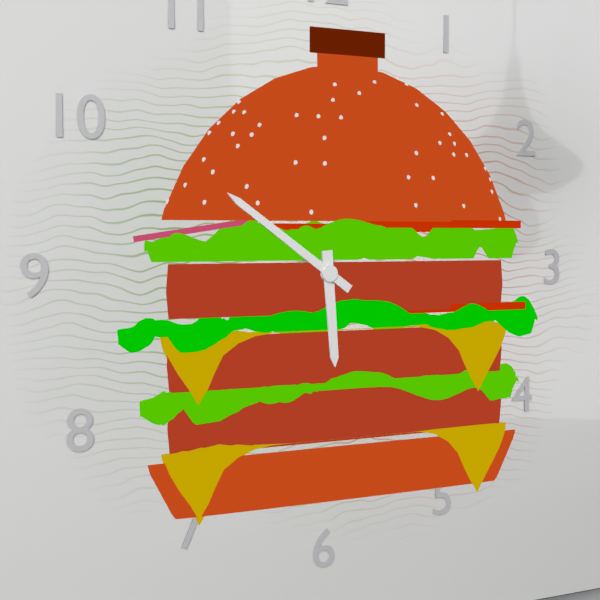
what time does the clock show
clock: 5:51
